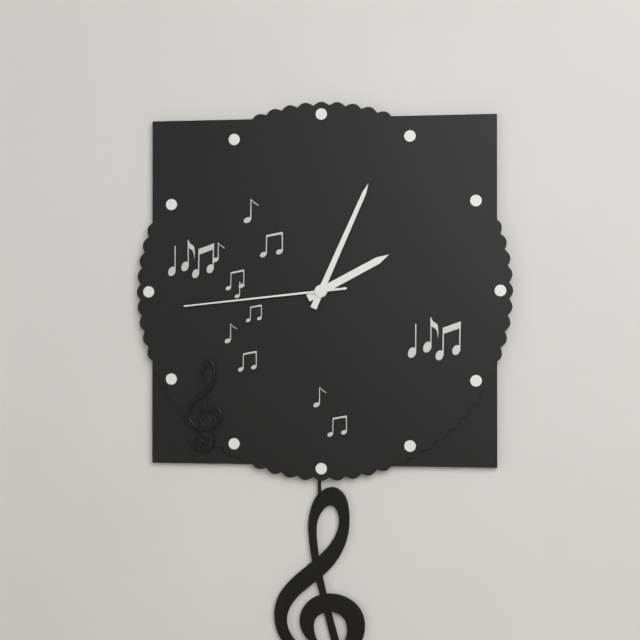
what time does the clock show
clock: 2:04:44
